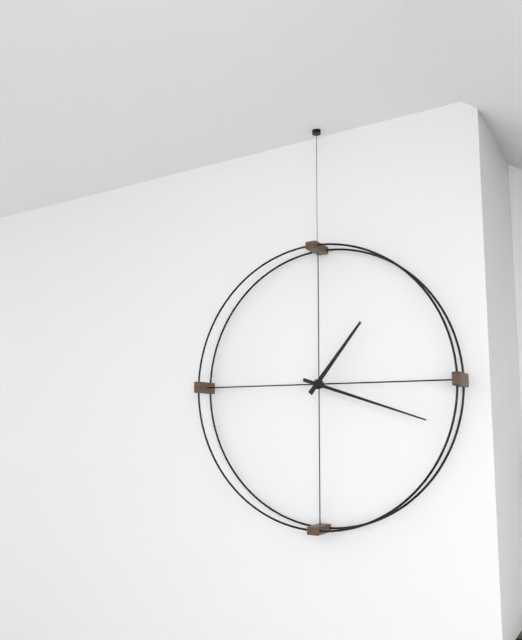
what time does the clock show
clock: 1:18
